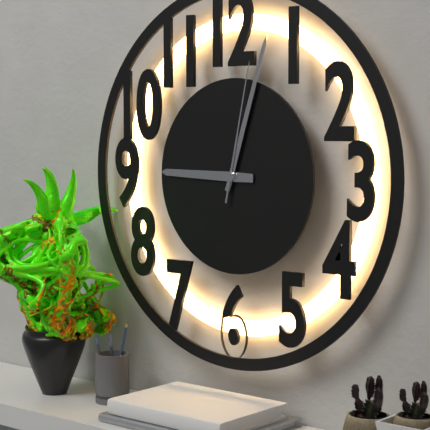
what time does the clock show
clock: 9:03:02
